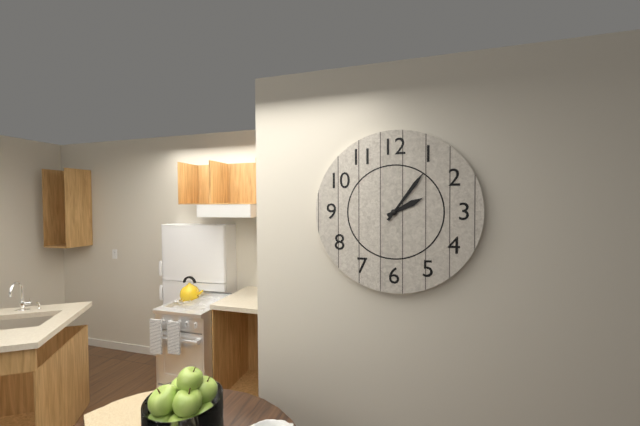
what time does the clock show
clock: 2:06
